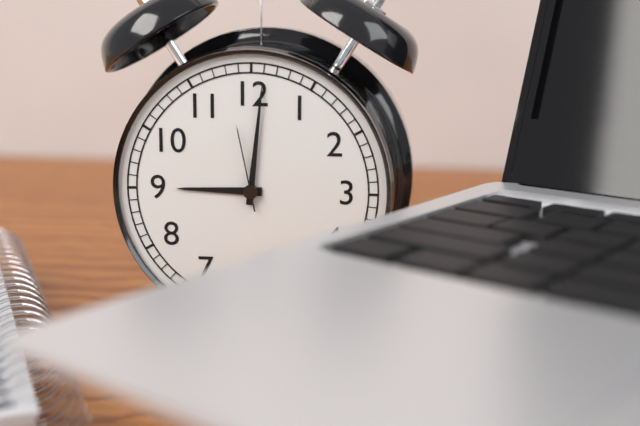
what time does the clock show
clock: 9:01:58
